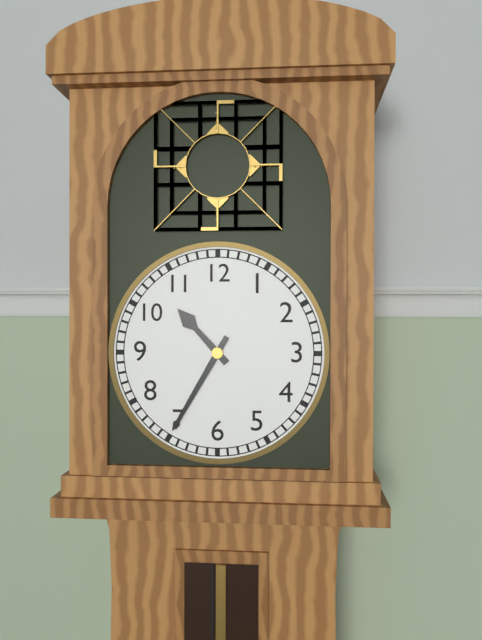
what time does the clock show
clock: 10:35
